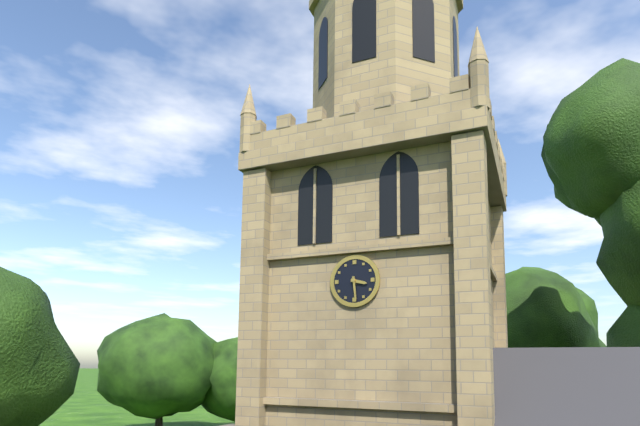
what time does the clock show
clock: 3:29
